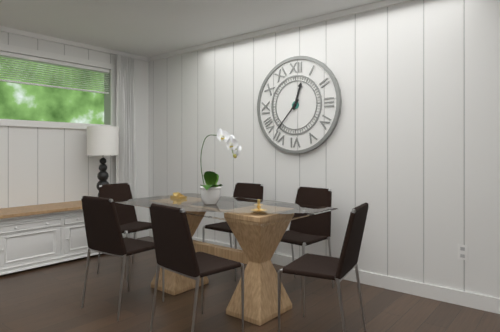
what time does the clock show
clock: 12:37
